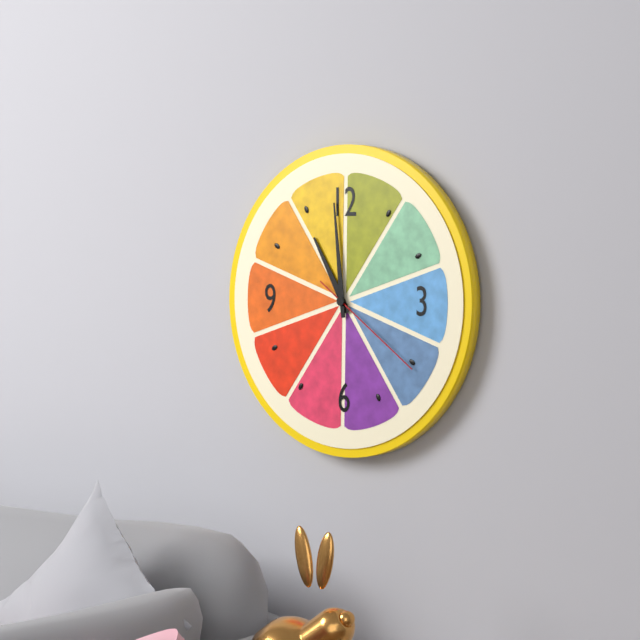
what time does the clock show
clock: 10:59:21
